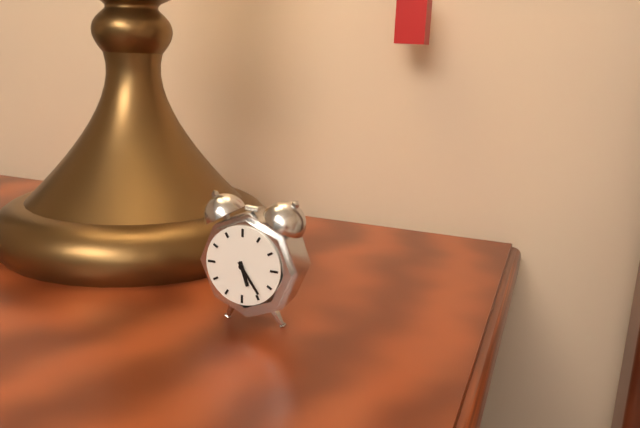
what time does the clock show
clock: 5:24
